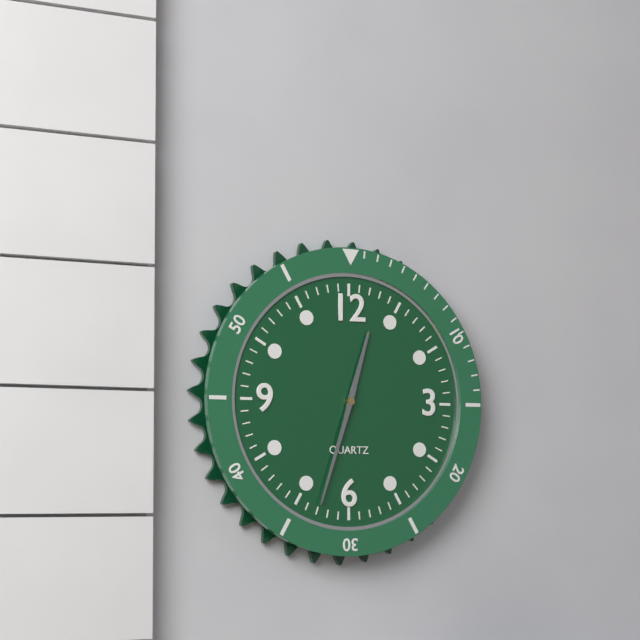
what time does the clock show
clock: 12:33
